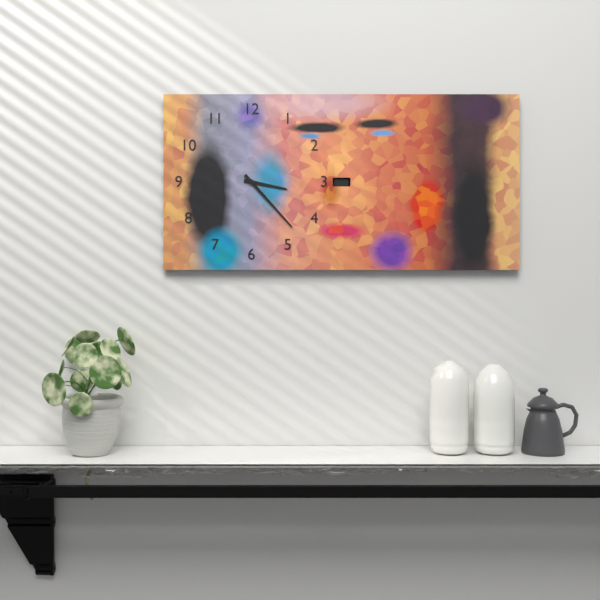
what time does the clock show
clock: 3:23
